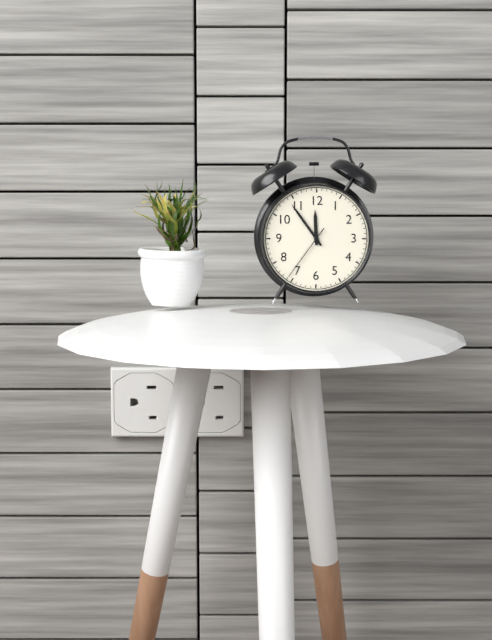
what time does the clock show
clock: 11:54:36
